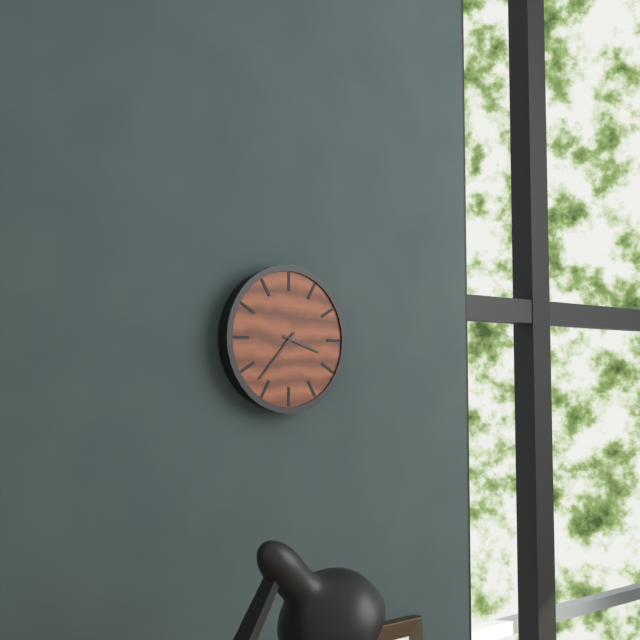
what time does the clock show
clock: 3:37
